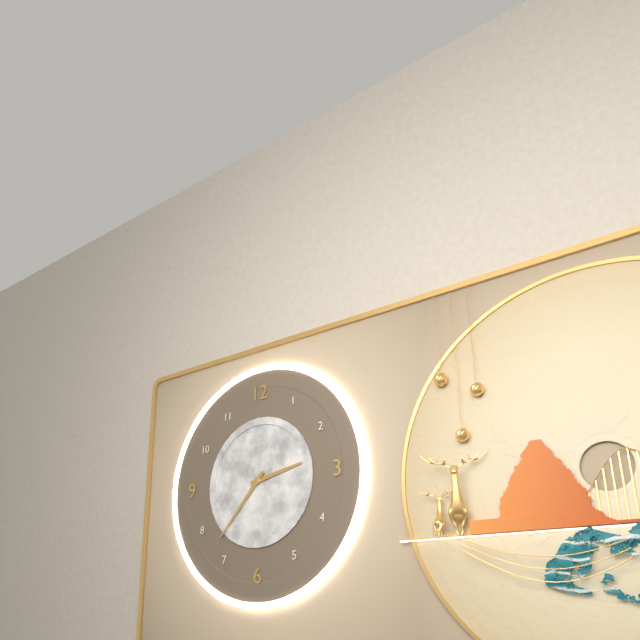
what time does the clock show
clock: 2:37
